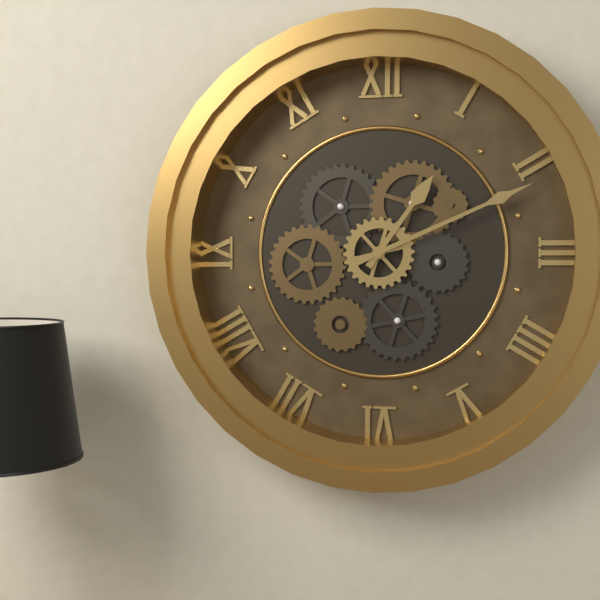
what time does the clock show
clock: 1:11
